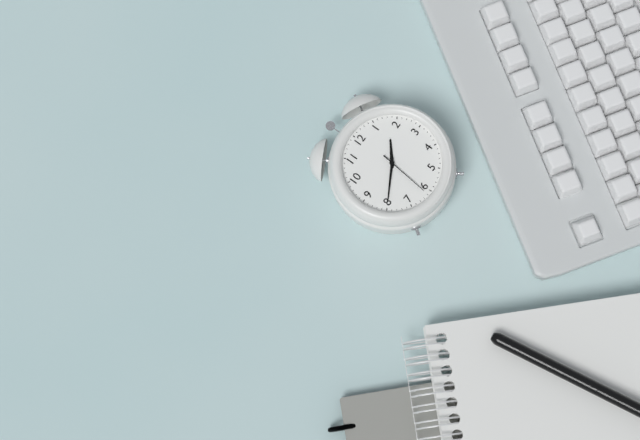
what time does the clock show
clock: 1:40:31
